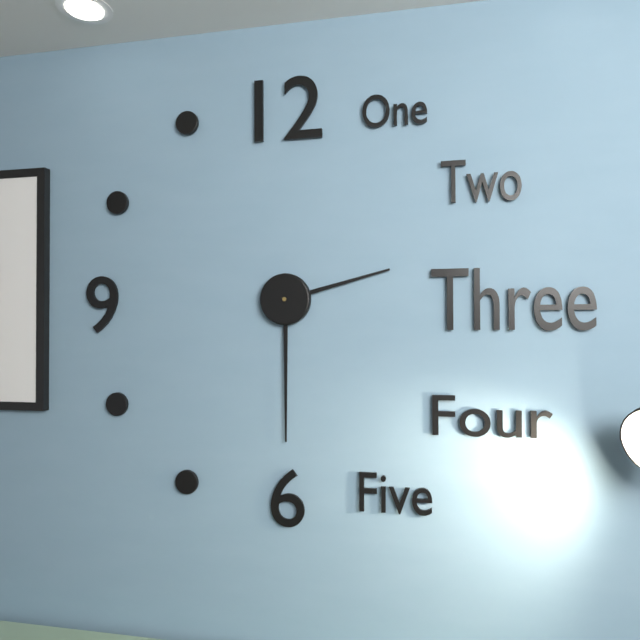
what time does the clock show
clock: 2:30
